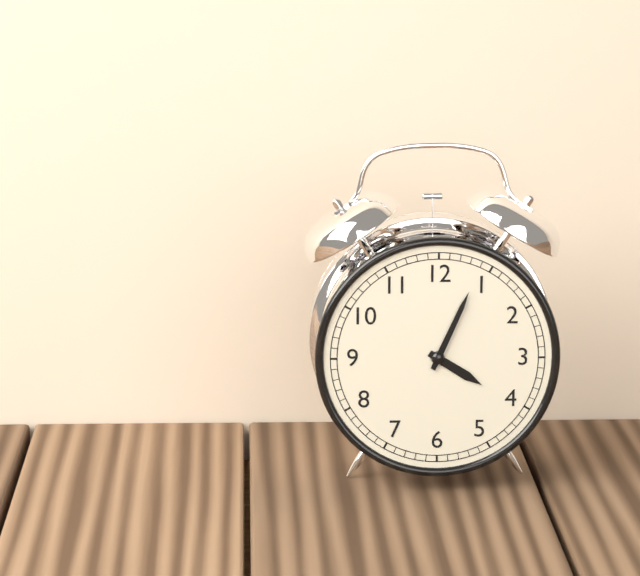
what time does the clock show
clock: 4:04
